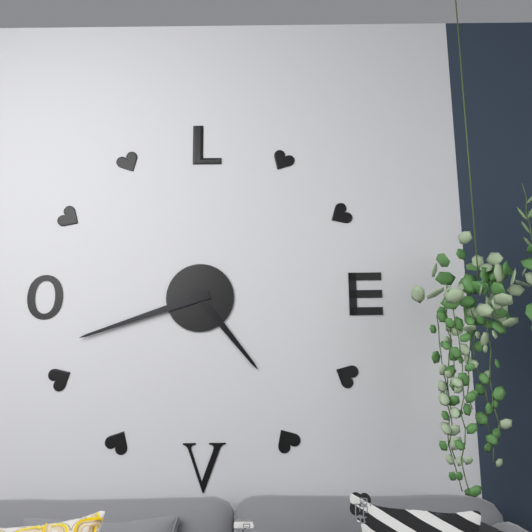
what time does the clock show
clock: 4:42
